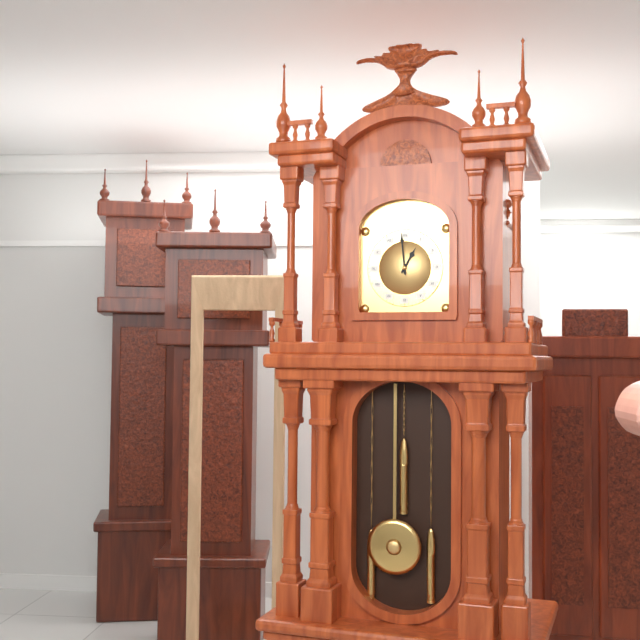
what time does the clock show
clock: 12:59
